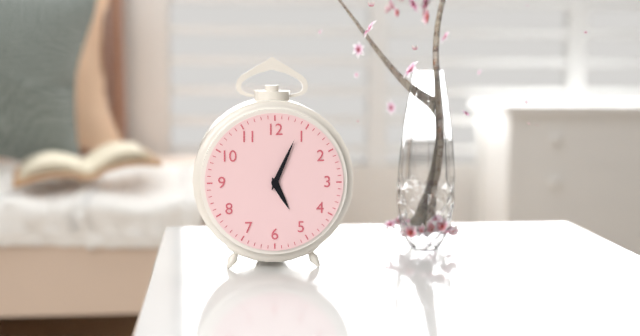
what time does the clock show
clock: 5:04
